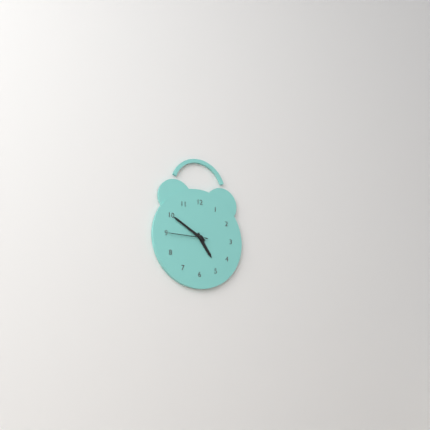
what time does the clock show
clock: 4:50
